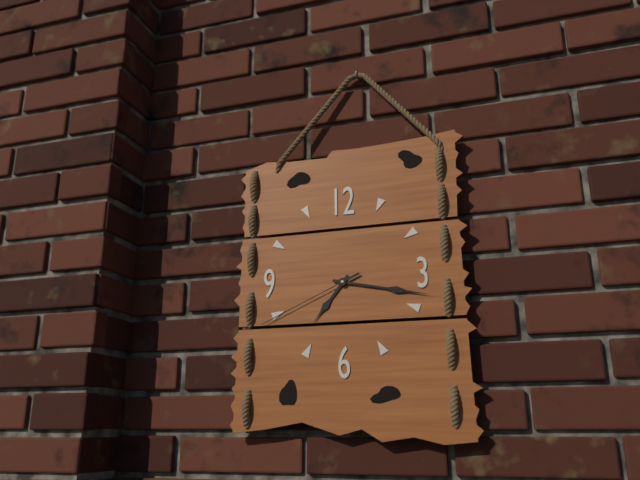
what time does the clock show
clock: 7:17:41
